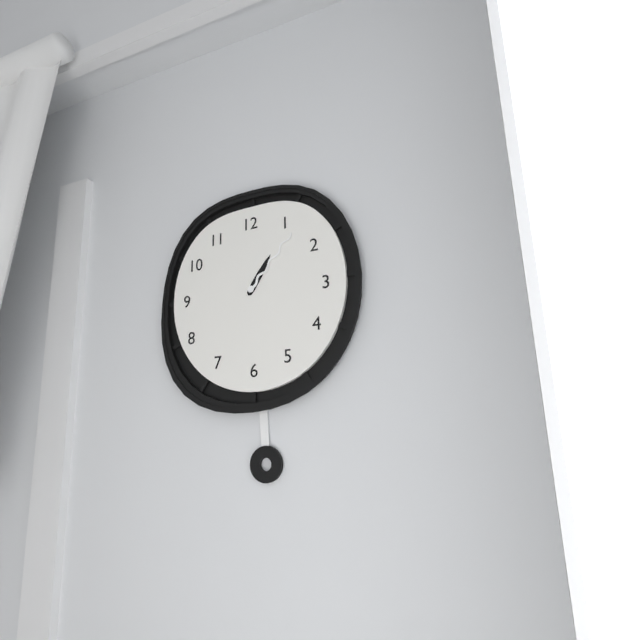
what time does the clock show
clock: 1:07
